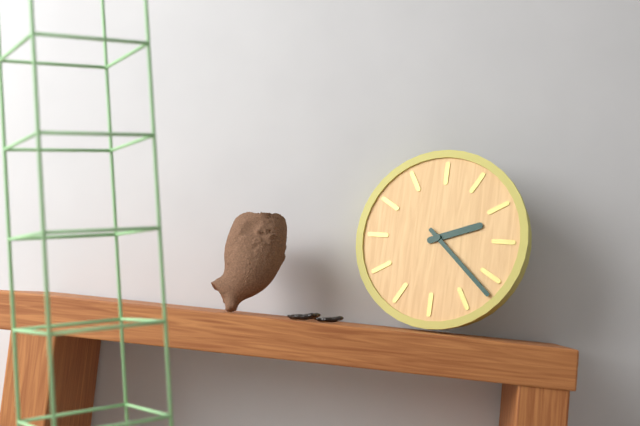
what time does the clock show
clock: 2:22
